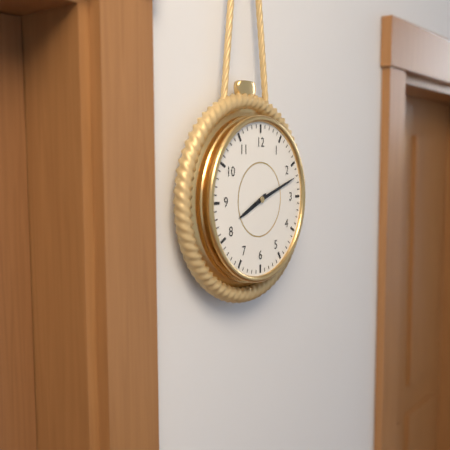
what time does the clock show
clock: 8:12
